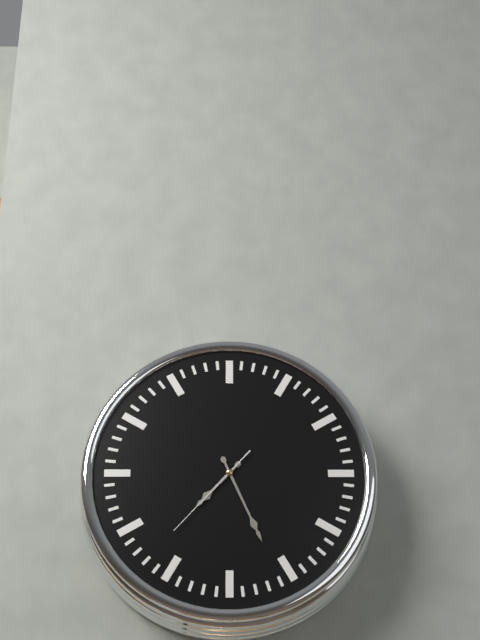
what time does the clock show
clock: 7:26:37
